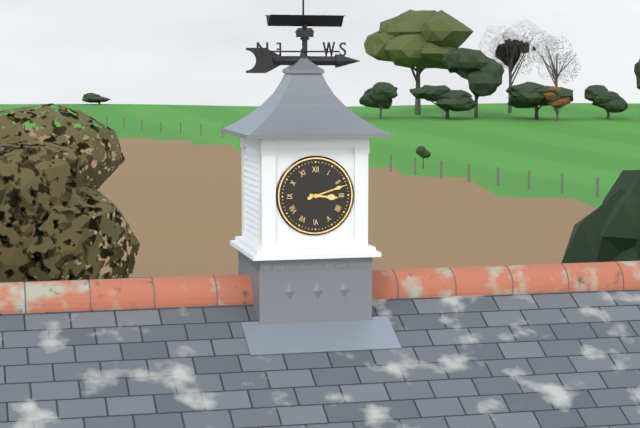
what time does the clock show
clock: 3:12
